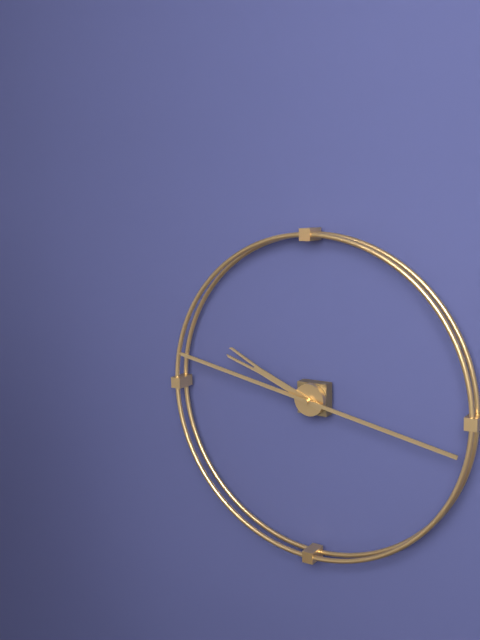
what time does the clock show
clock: 9:47
